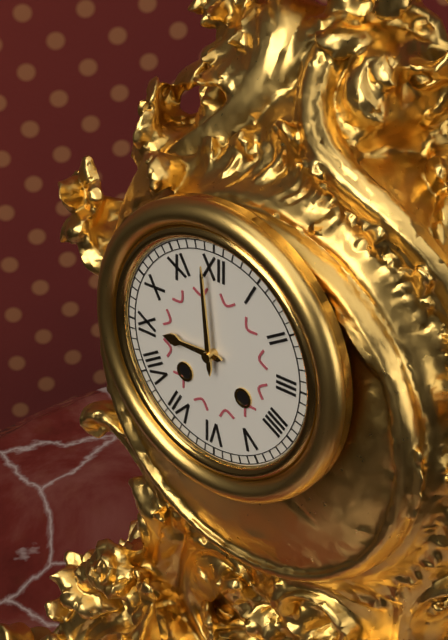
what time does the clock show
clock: 8:59
